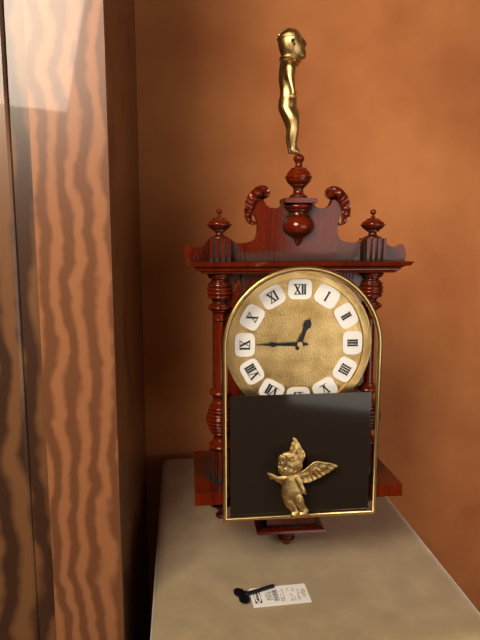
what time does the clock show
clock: 12:45
